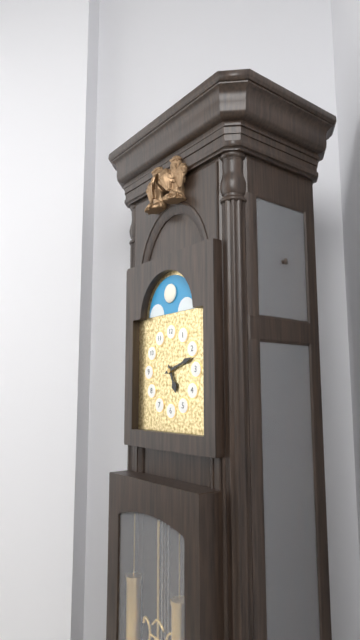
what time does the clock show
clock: 5:12
